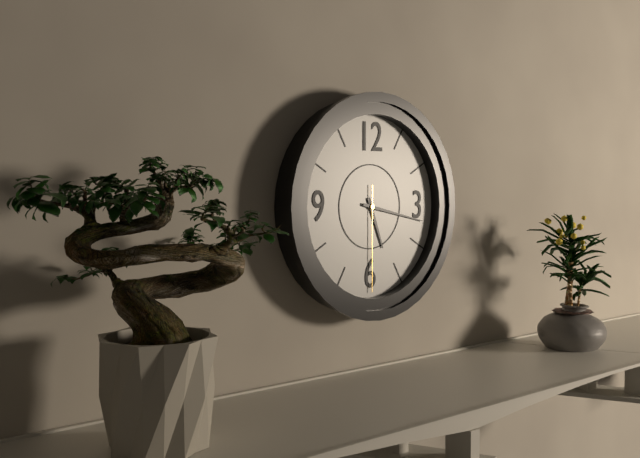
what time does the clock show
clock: 5:17:30
